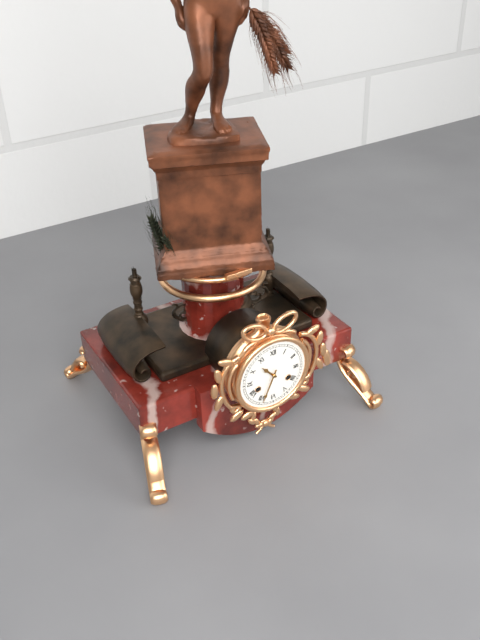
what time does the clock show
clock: 10:34
